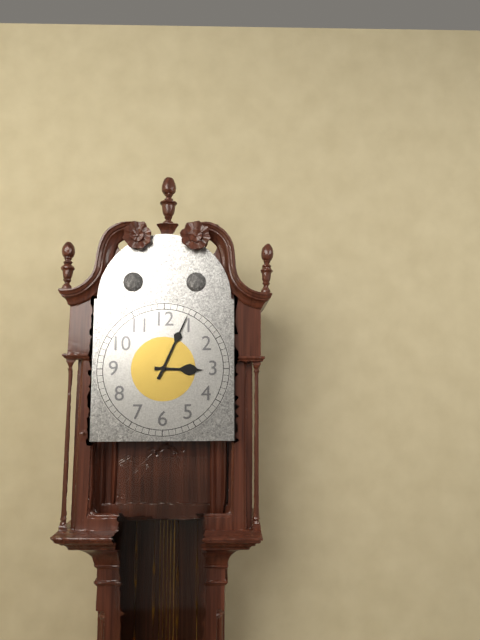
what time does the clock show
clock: 3:04
